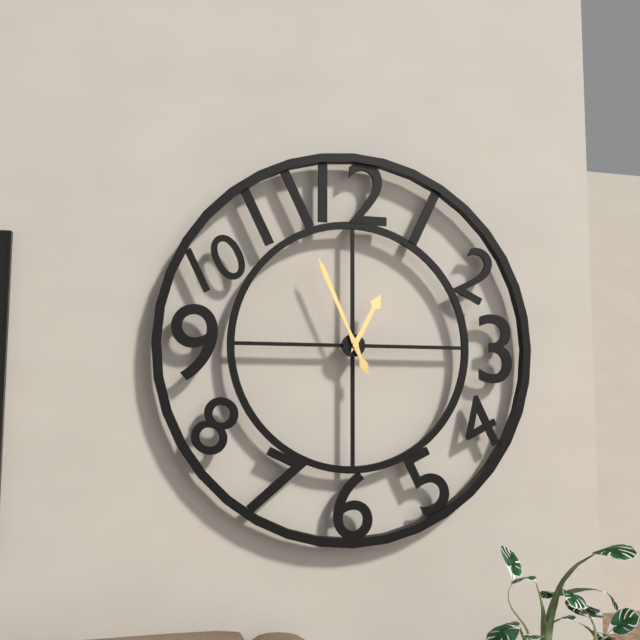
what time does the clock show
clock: 12:56
